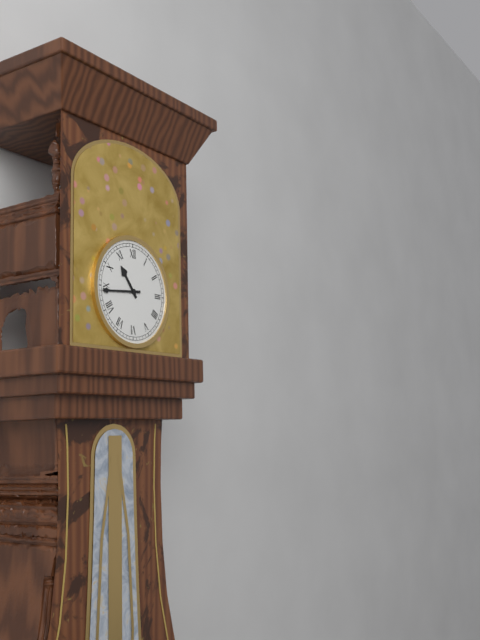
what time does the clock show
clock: 10:44
